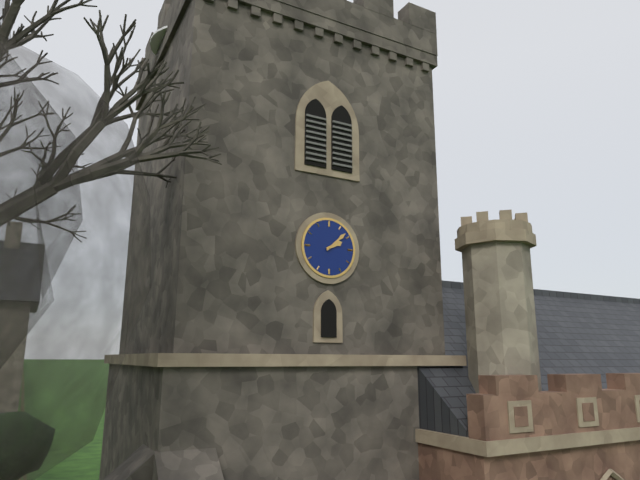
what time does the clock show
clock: 2:08
